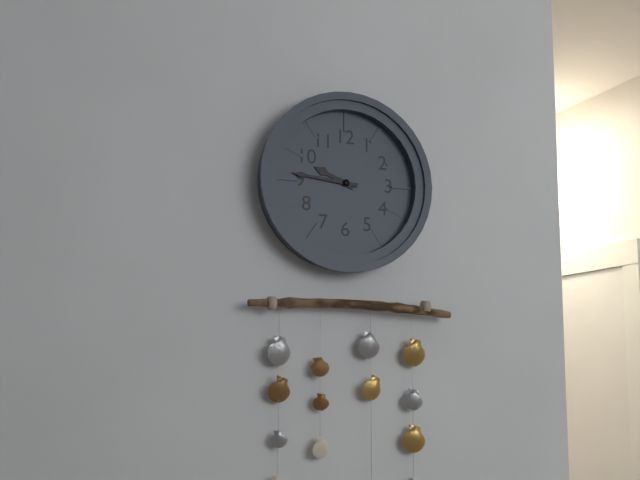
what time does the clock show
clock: 9:46
